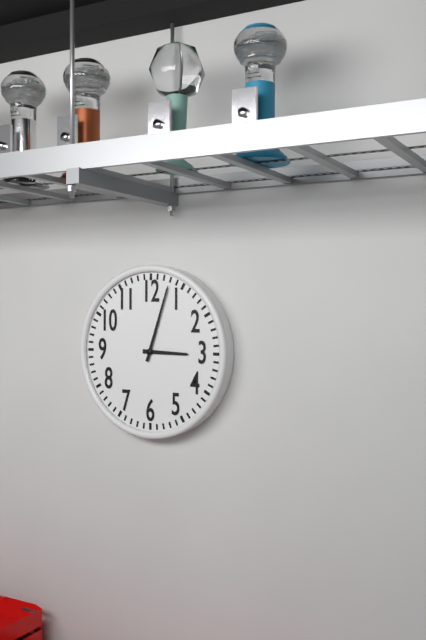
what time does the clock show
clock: 3:03
